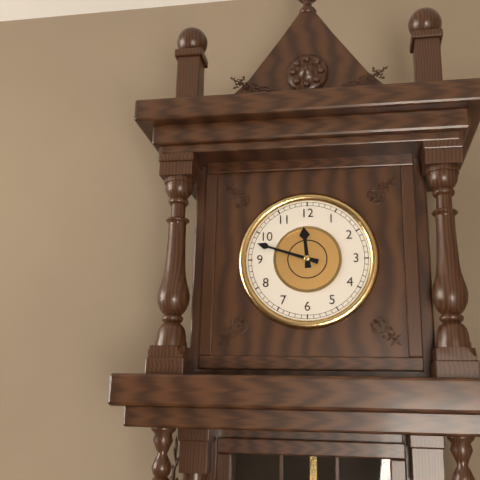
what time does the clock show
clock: 11:48
